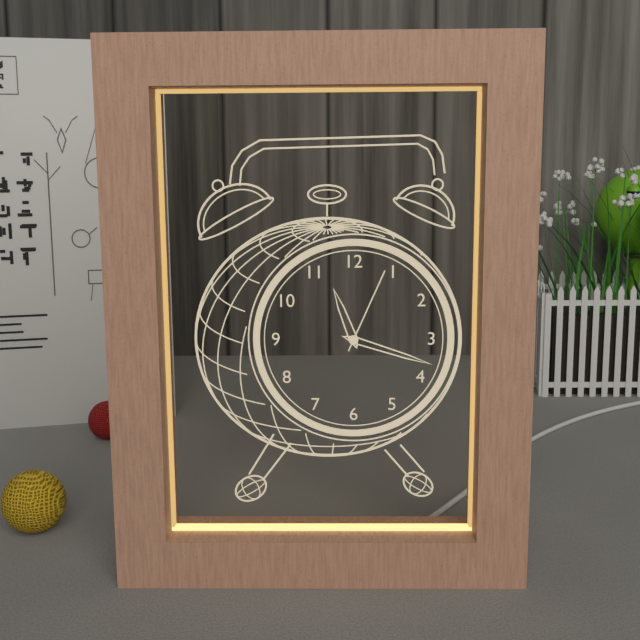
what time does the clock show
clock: 11:18:04
